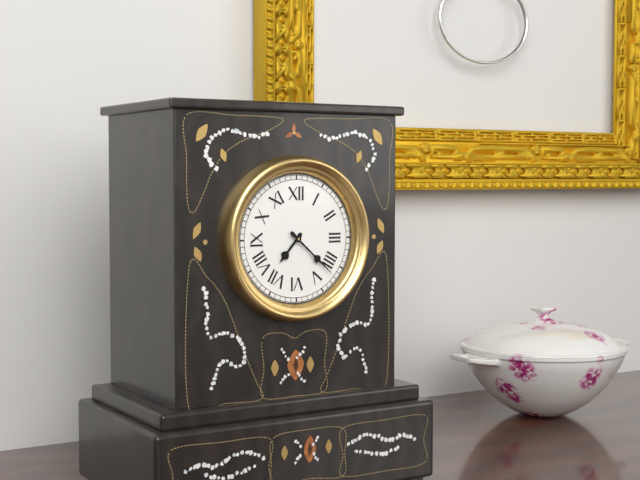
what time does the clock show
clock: 7:22
